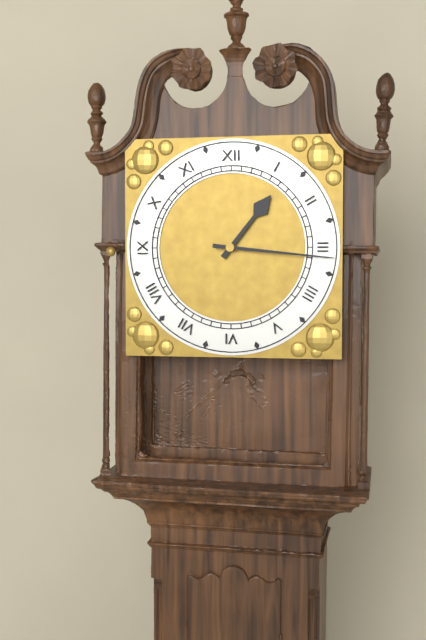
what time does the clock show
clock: 1:16
